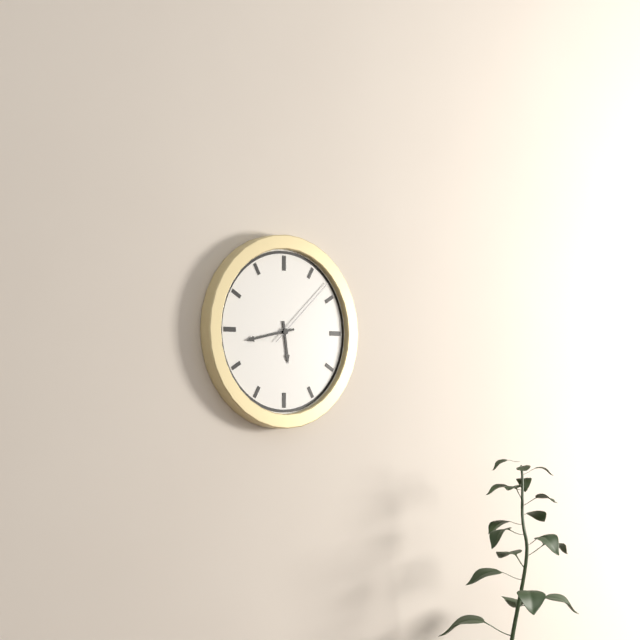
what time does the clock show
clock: 5:43:08
